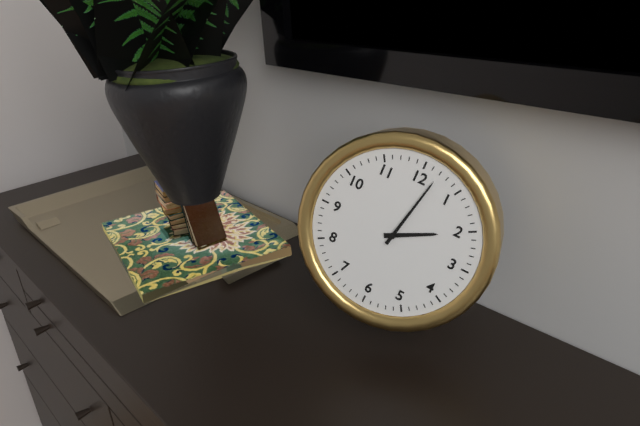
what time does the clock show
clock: 2:02
